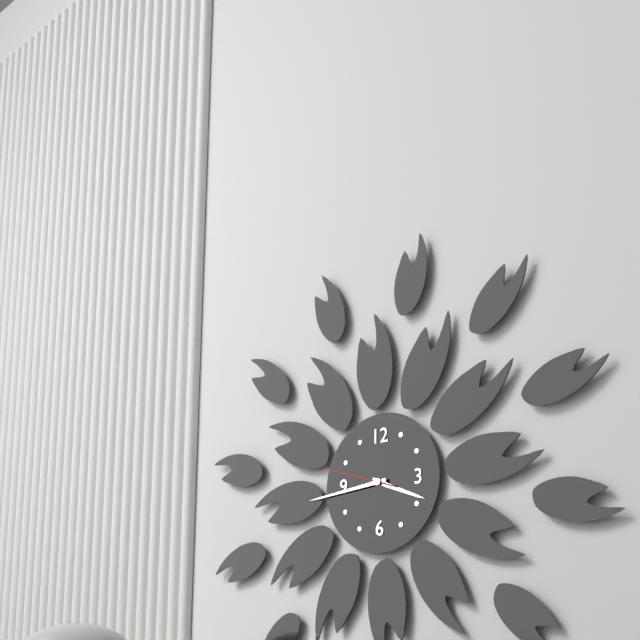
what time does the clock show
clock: 3:44:48
